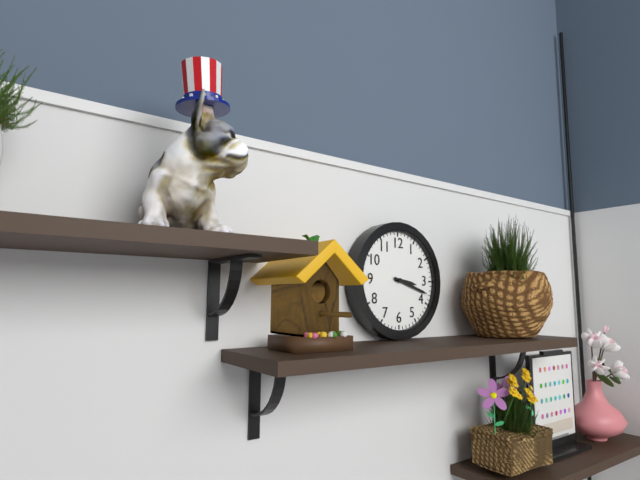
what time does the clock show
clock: 3:18
